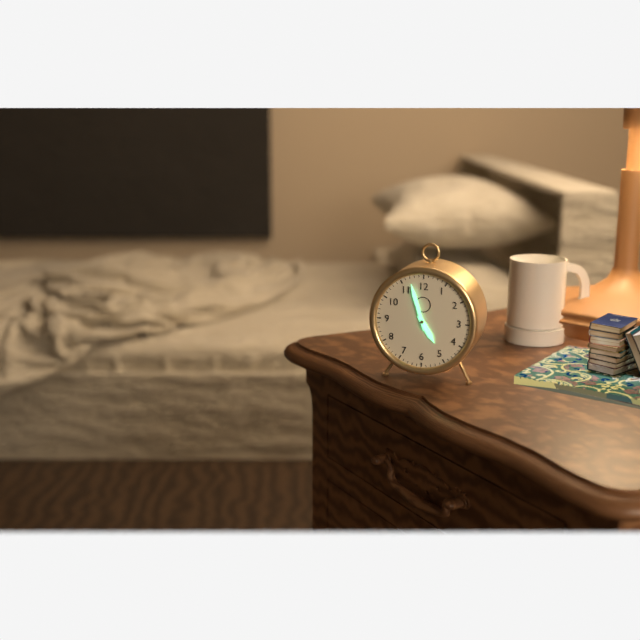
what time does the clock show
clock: 4:57
